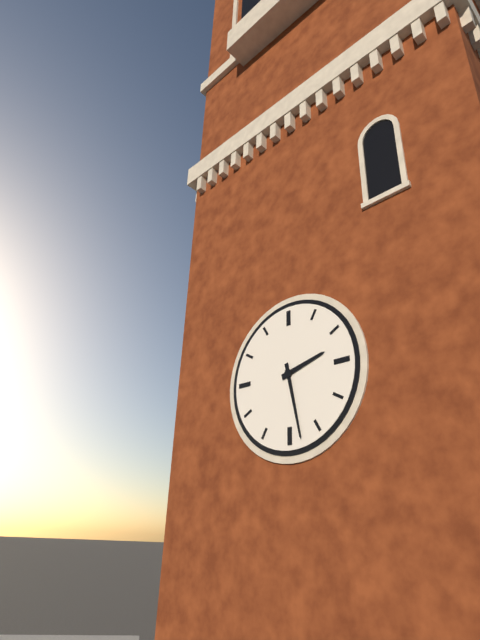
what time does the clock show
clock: 2:28
